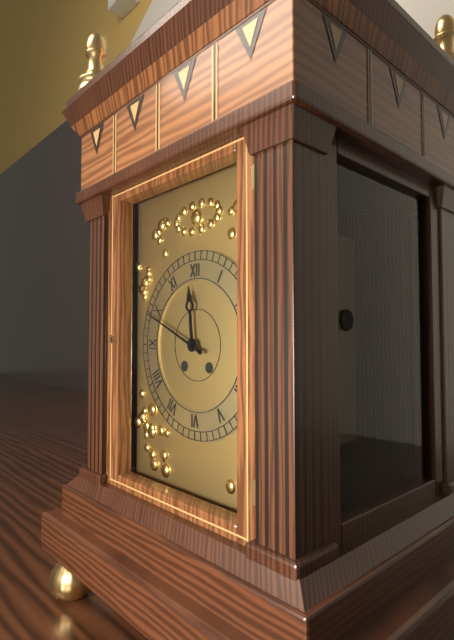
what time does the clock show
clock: 11:49
